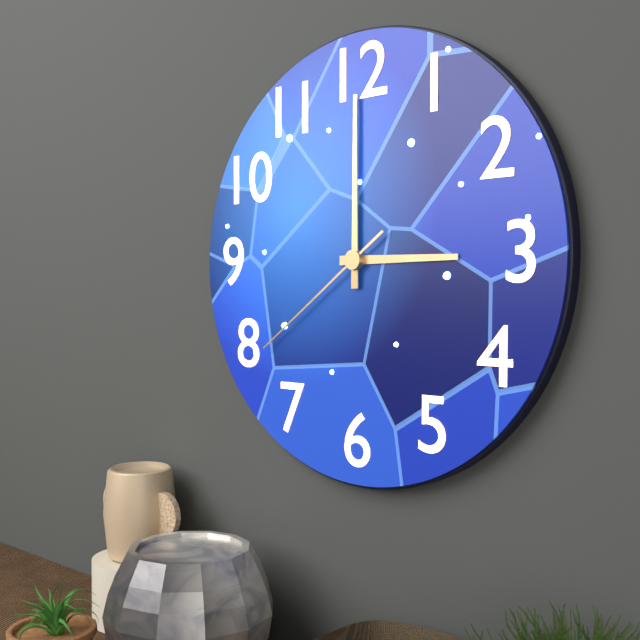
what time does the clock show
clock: 3:00:39
